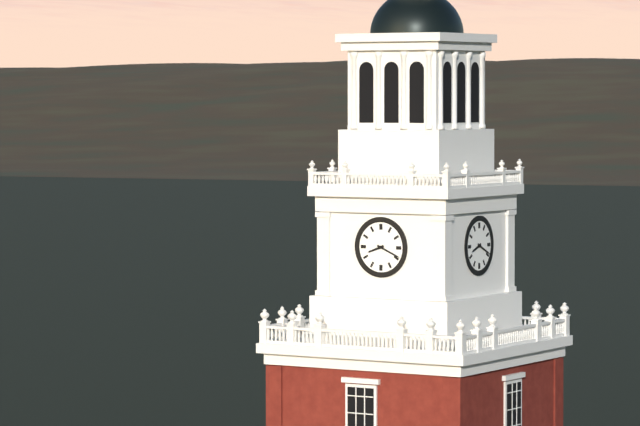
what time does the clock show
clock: 8:19
